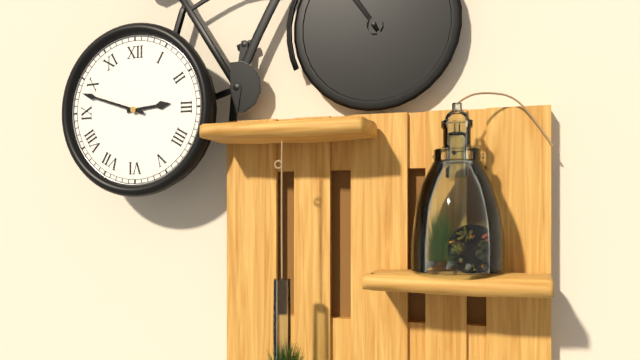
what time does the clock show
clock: 2:48
